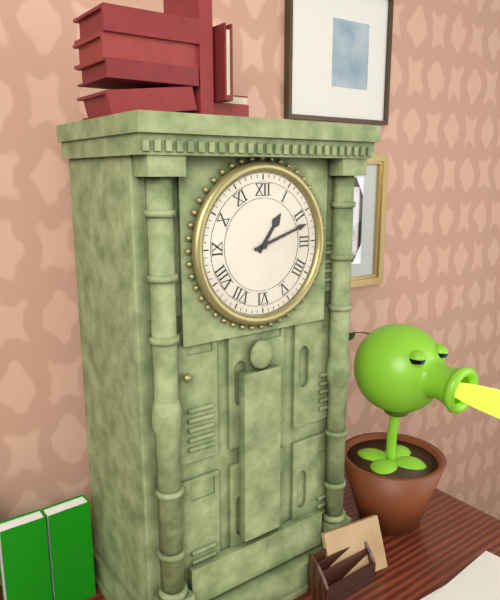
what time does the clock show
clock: 1:12
